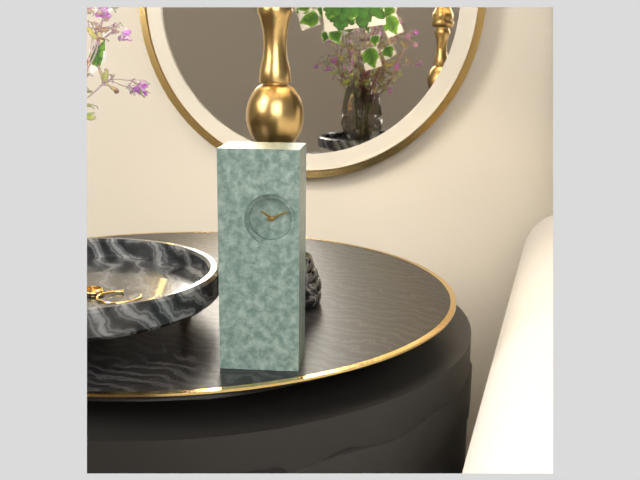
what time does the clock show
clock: 10:11
